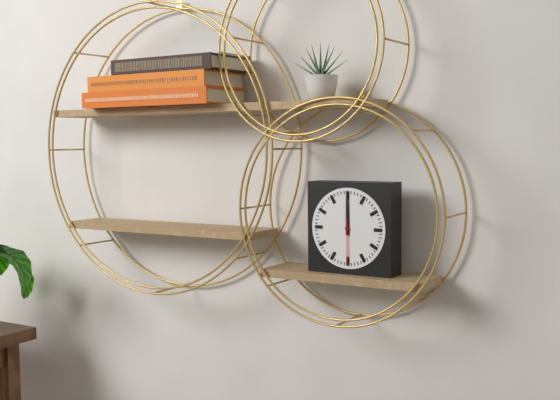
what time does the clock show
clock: 12:00
